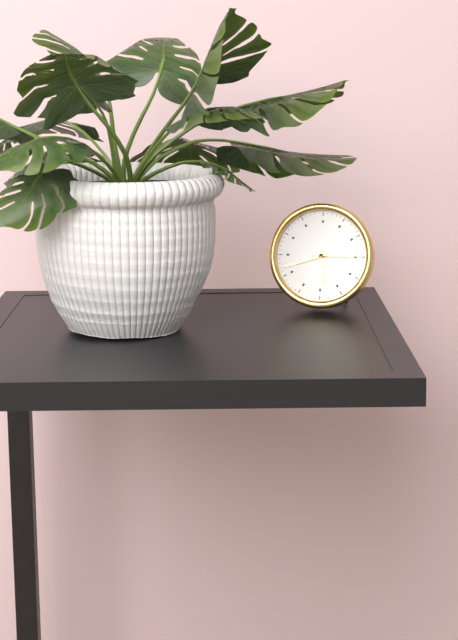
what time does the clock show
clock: 5:42:15
